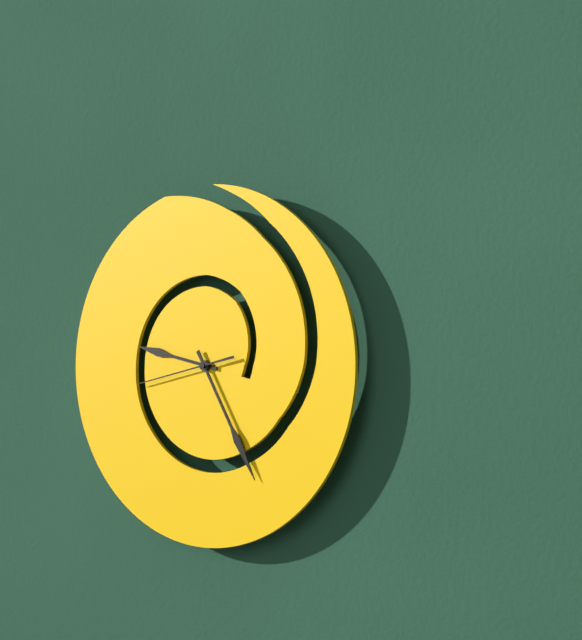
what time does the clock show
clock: 9:25:43
